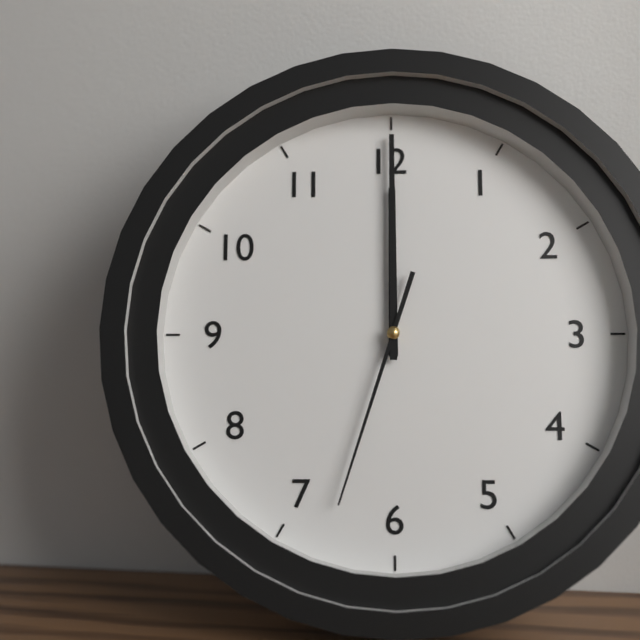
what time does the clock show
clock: 12:00:33
